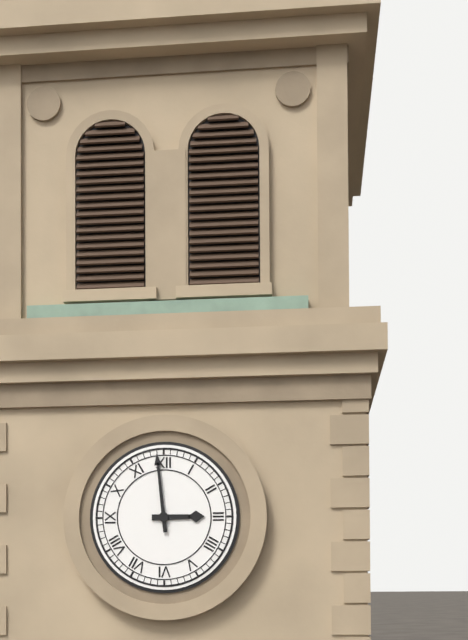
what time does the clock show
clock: 2:59
